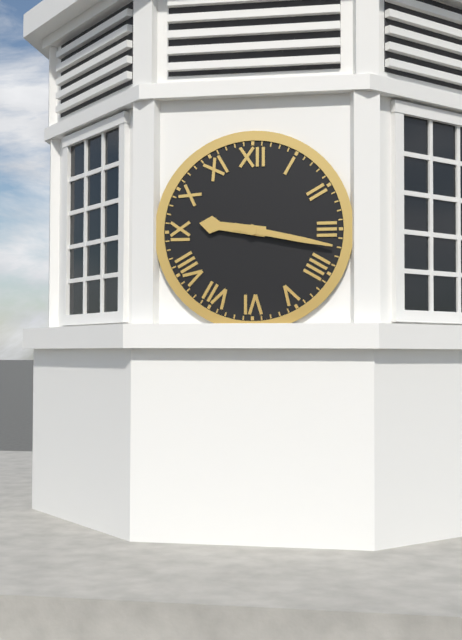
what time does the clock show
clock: 9:17
